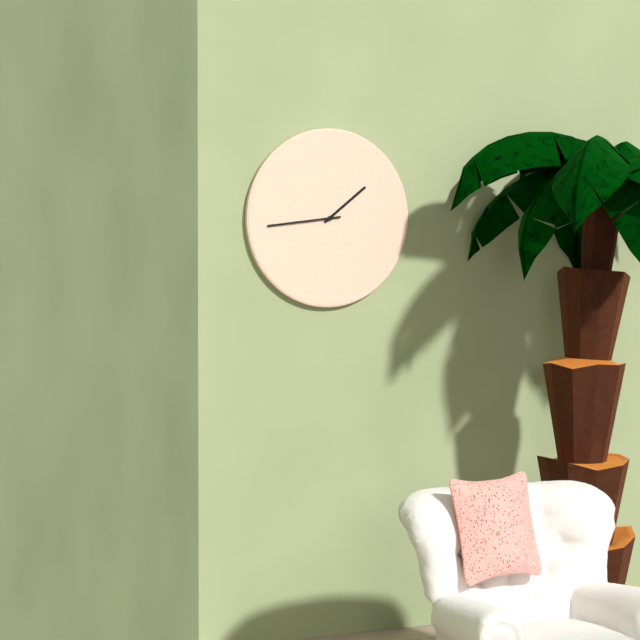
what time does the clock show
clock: 1:44
